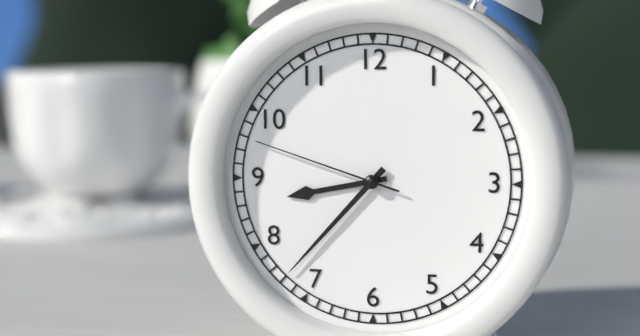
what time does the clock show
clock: 8:37:48
